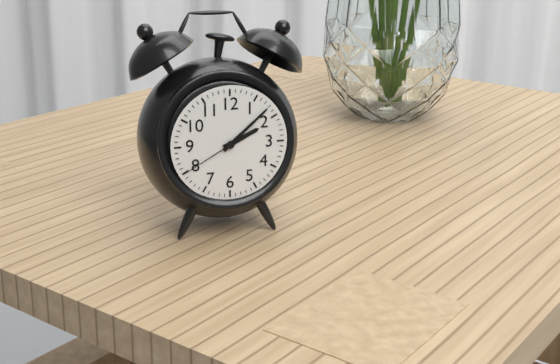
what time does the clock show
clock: 2:08:40
